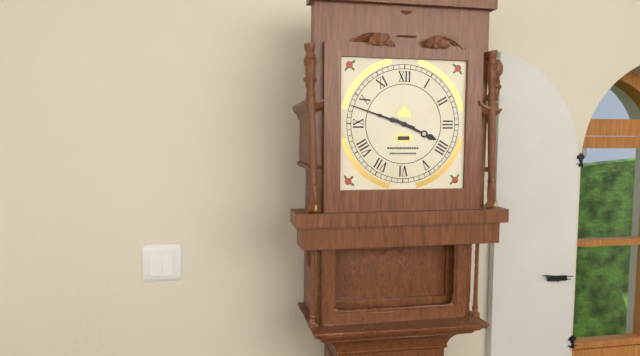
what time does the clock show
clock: 3:48
